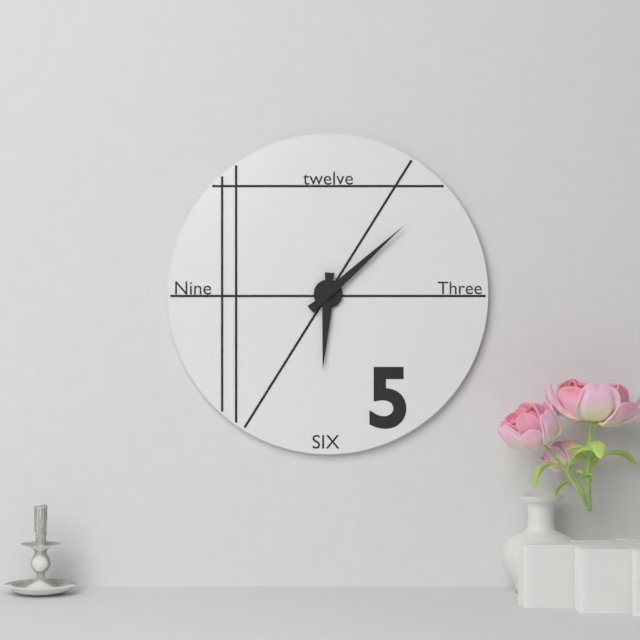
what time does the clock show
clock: 6:08
